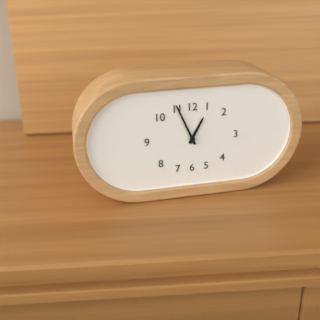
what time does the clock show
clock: 12:56
